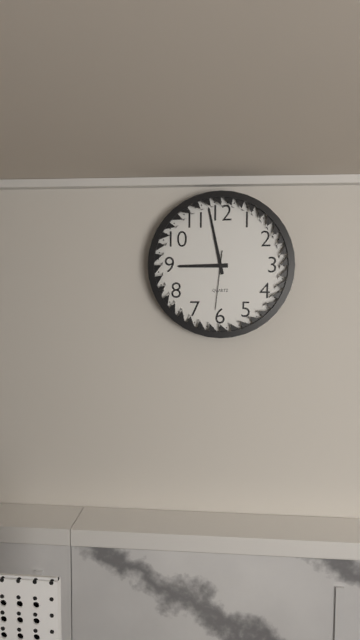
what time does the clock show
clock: 8:58:31
